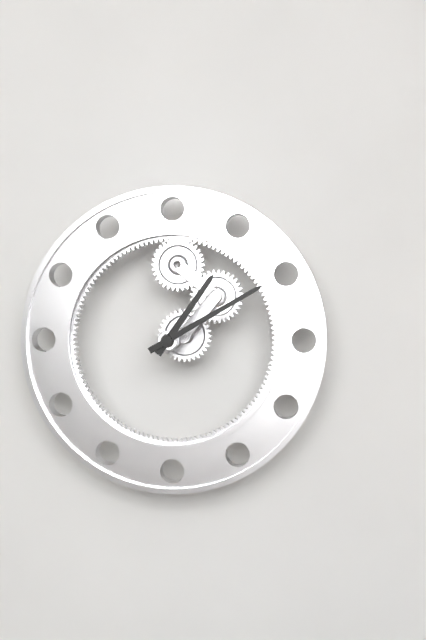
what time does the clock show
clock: 1:10
